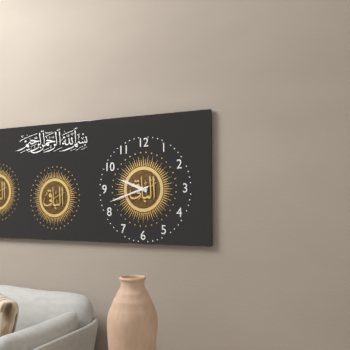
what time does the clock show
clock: 9:42
